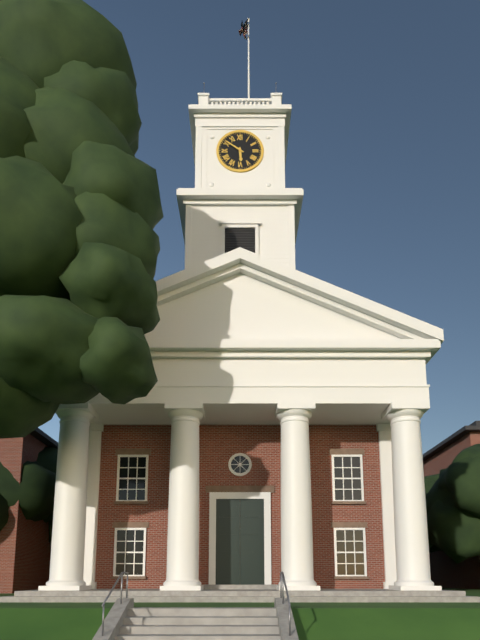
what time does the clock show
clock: 5:51
